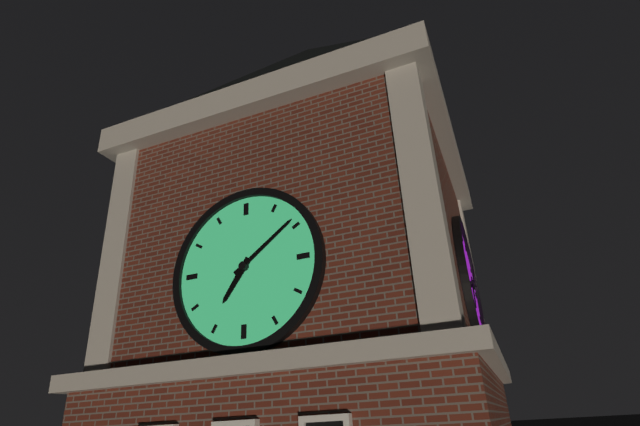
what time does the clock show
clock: 7:09
